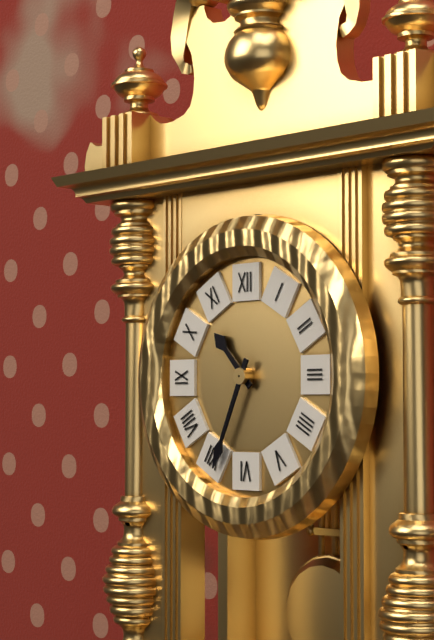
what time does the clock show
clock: 10:34
